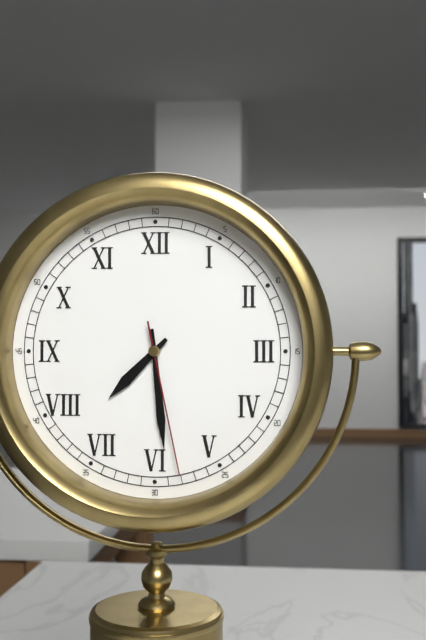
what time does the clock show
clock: 7:29:28
